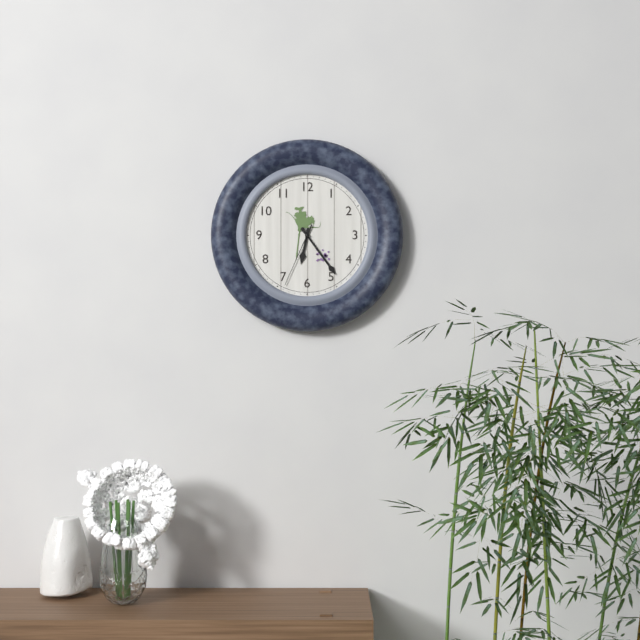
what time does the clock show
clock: 6:24:34
